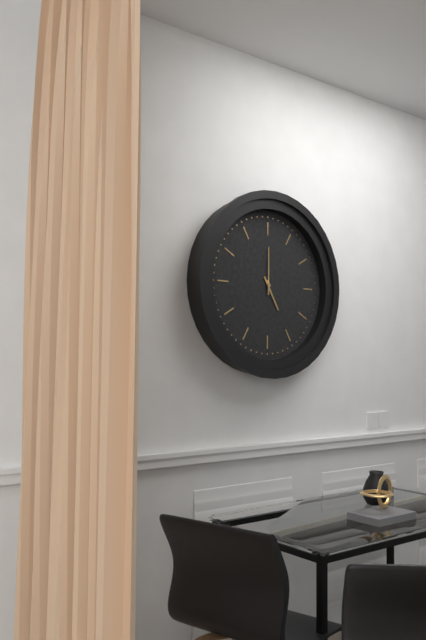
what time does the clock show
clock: 5:00
